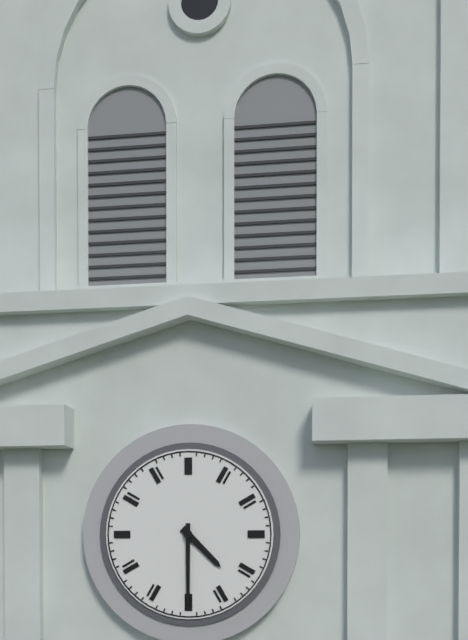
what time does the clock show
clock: 4:30
